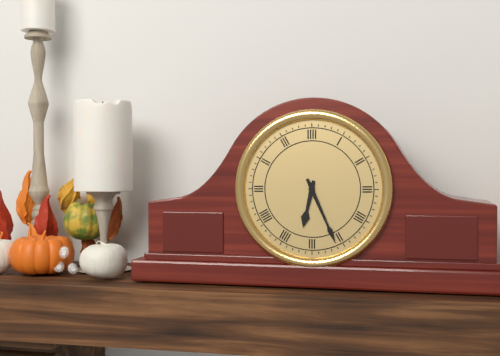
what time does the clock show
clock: 6:26
